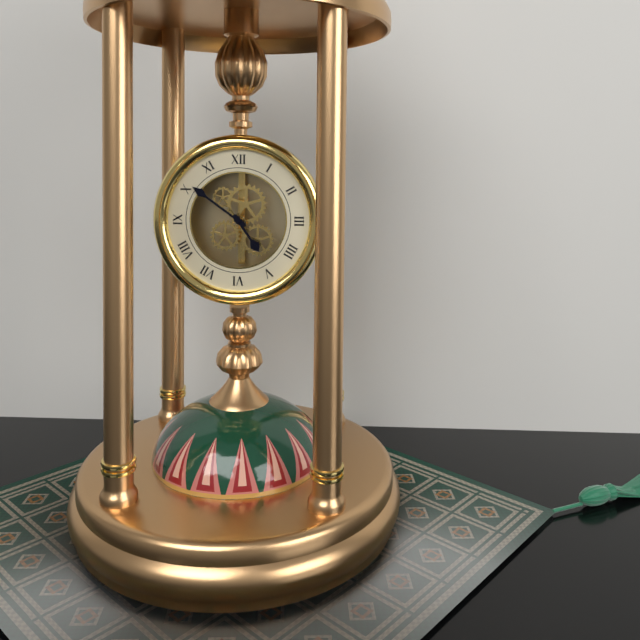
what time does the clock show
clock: 4:51
